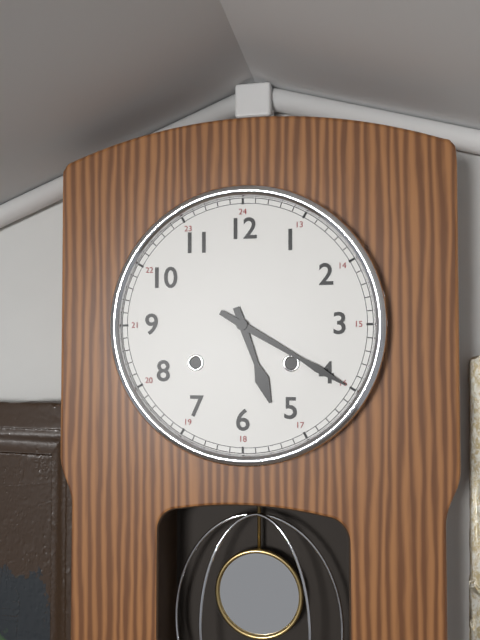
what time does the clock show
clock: 5:20
